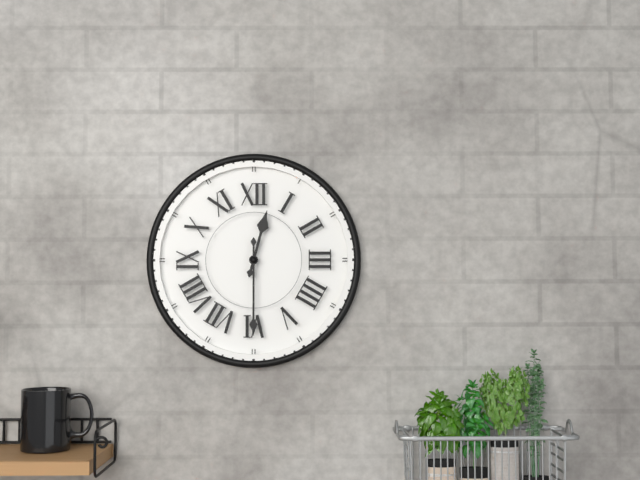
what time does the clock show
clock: 12:30
